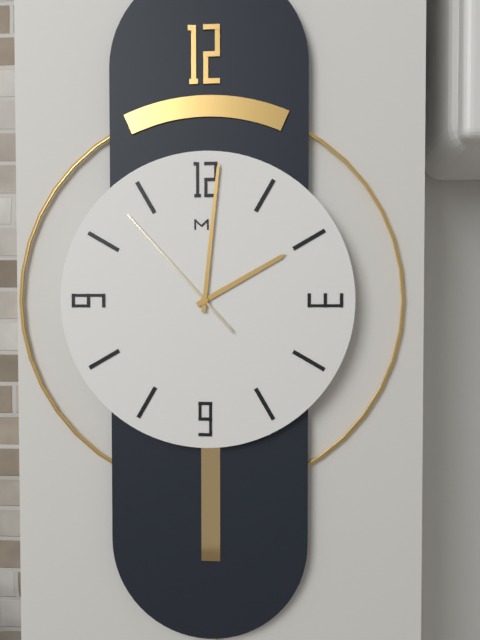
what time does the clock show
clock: 2:01:53
